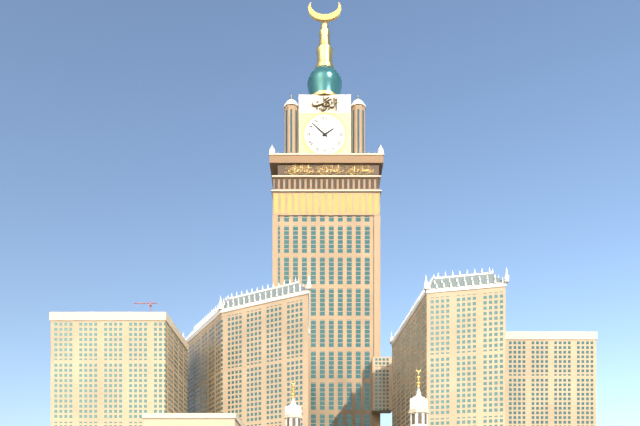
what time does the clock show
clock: 1:52
